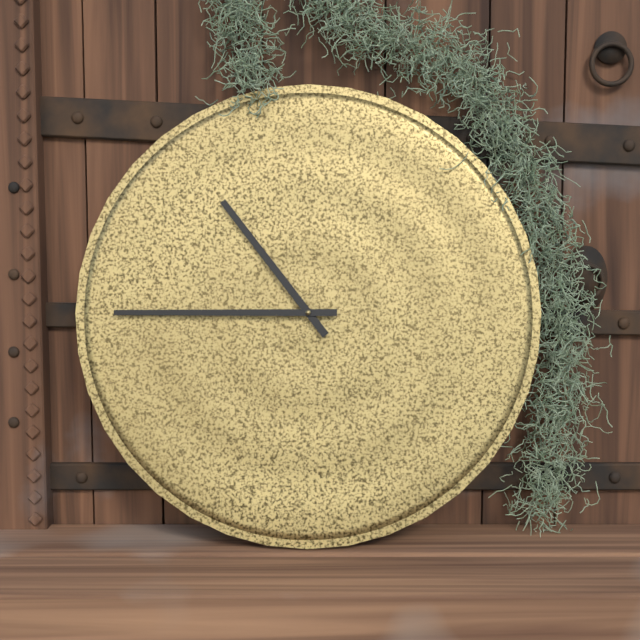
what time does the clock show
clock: 10:45
